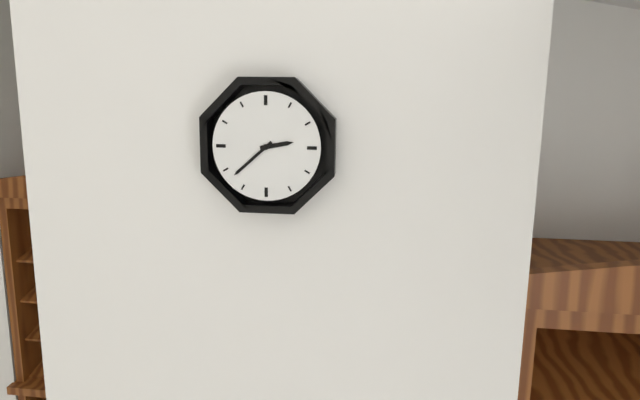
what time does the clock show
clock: 2:38
